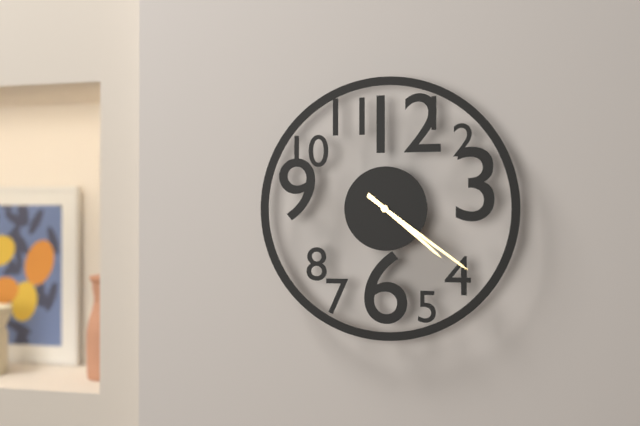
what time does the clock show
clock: 4:21
